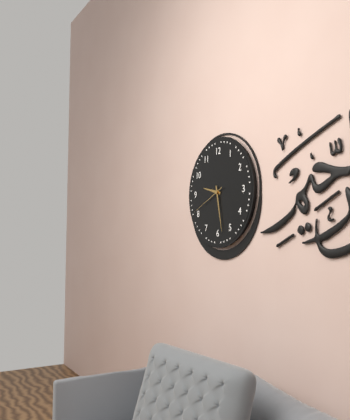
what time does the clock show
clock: 9:28
